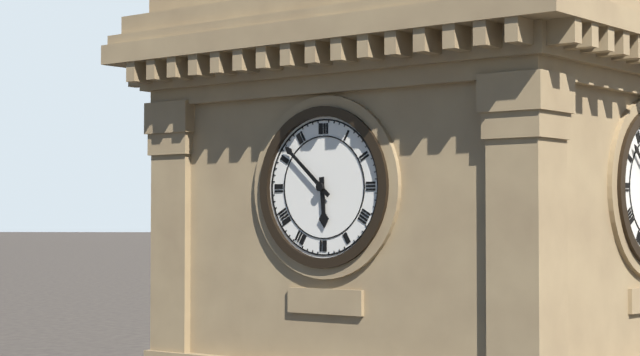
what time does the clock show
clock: 5:52
